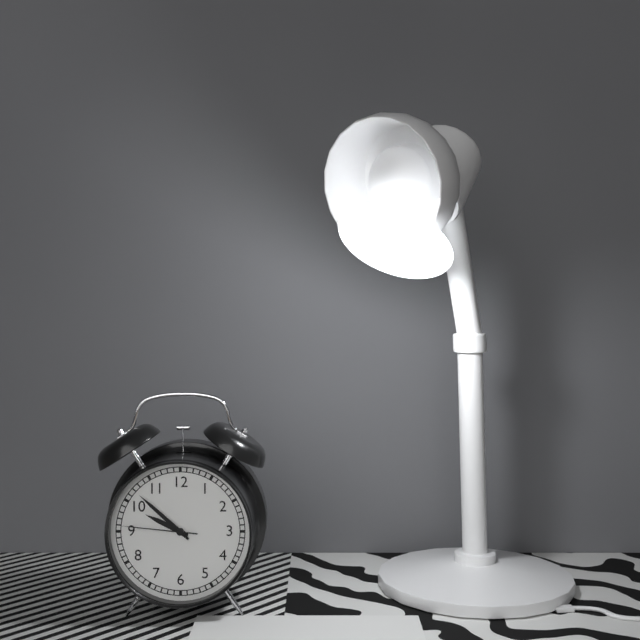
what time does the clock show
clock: 9:52:46
